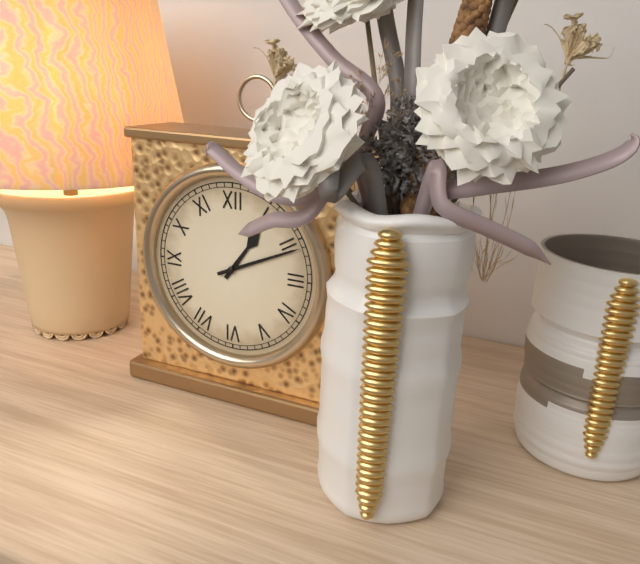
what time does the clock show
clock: 1:11
